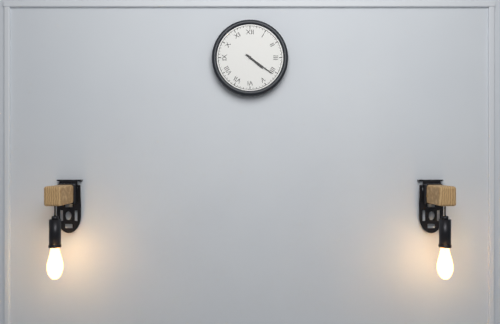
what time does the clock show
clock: 4:21
